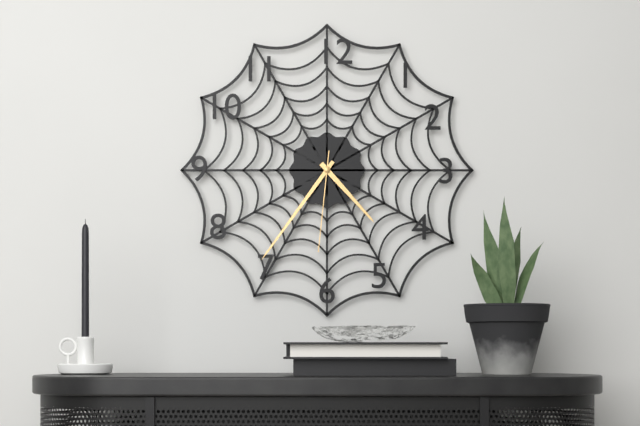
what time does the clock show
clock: 4:36:31
